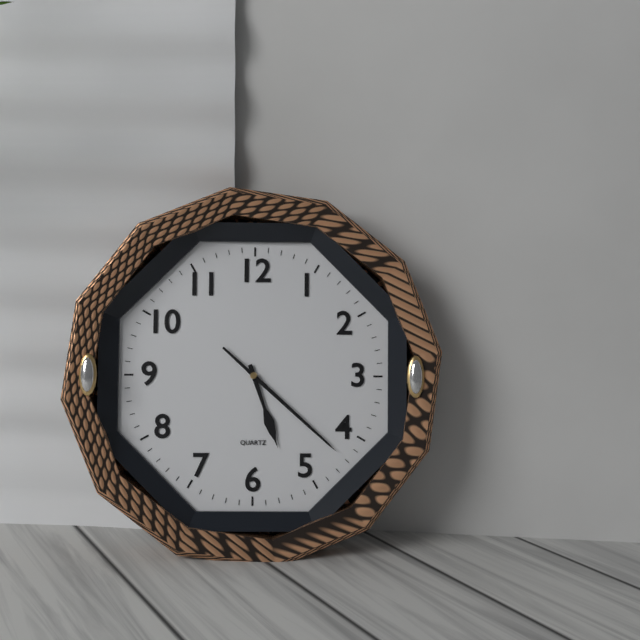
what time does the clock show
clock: 5:22
